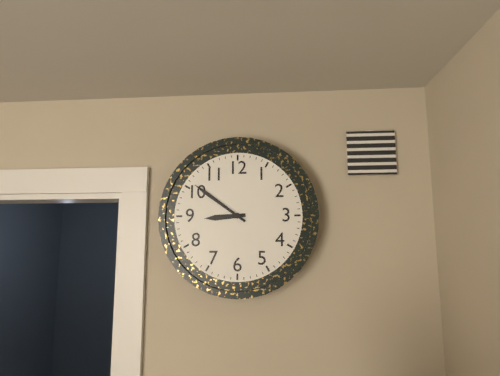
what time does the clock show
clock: 8:51
